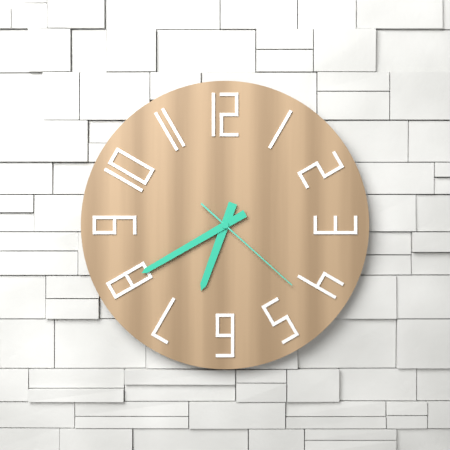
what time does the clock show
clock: 6:40:22
